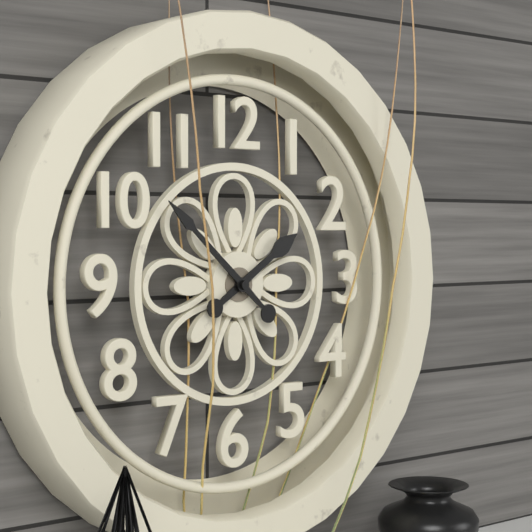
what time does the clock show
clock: 1:52
